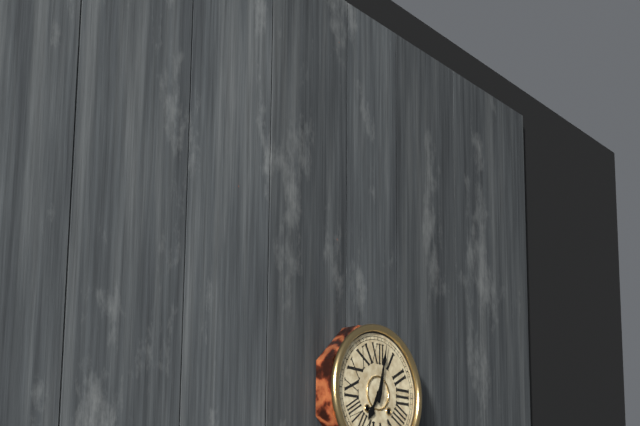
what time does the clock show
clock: 7:02
